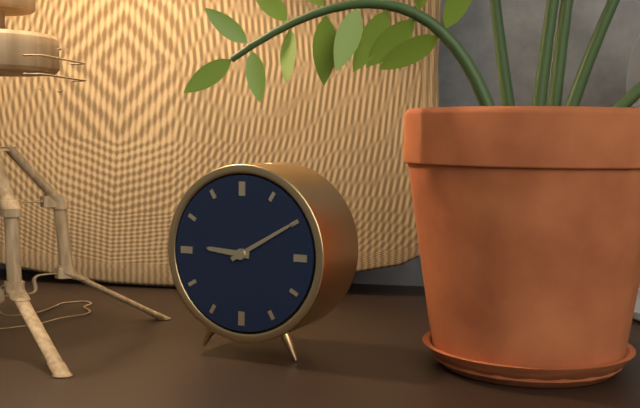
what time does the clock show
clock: 9:10
